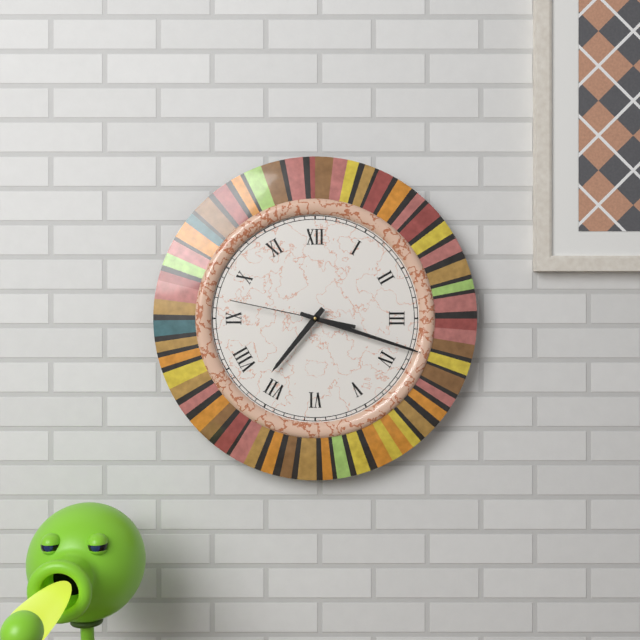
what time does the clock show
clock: 7:18:47
